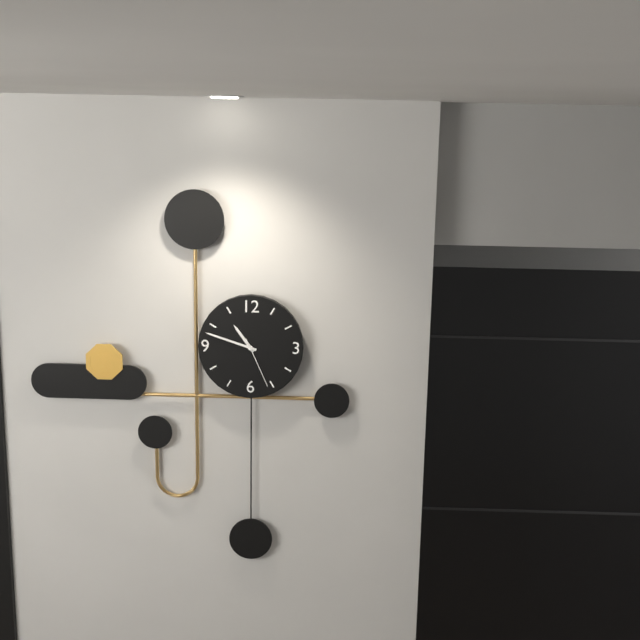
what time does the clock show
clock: 10:48:26
